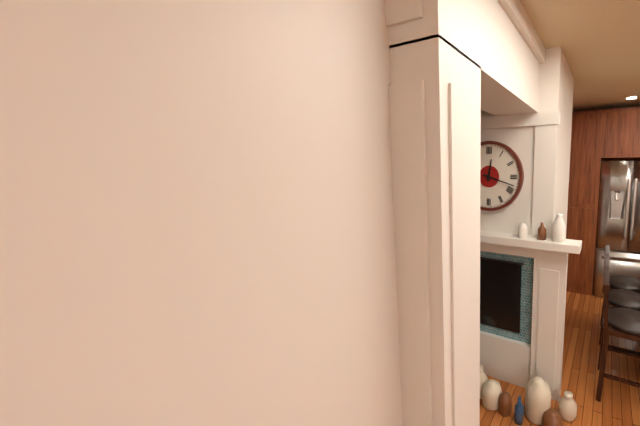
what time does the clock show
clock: 12:18
